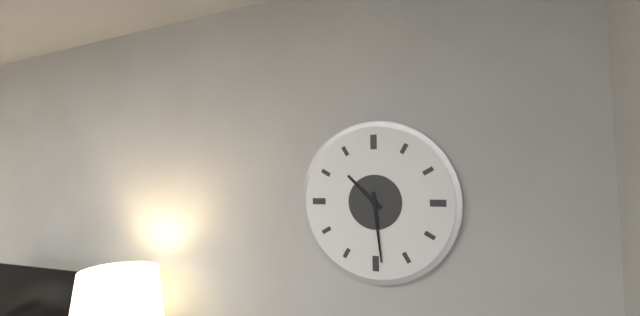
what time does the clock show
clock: 10:29
